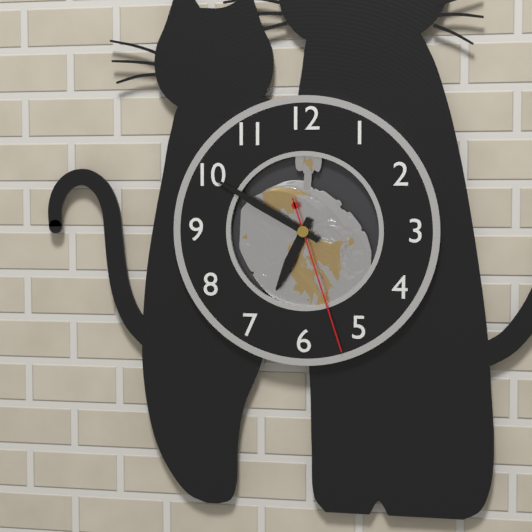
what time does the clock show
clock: 6:50:27
